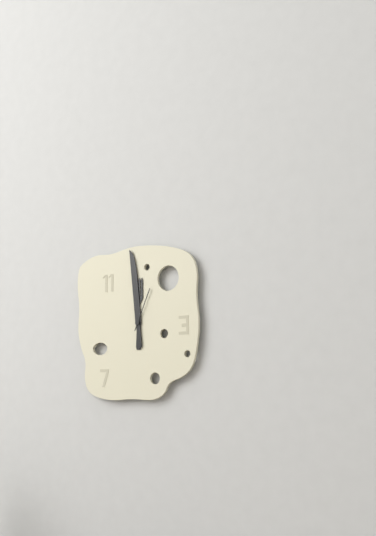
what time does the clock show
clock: 11:59
